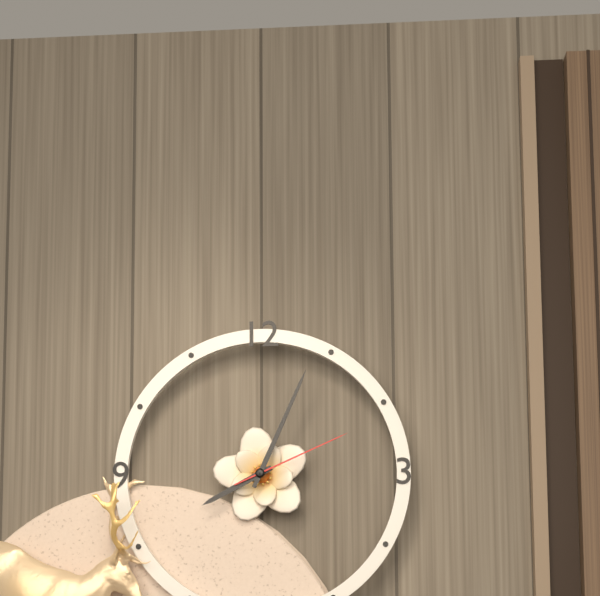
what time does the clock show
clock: 8:04:11
